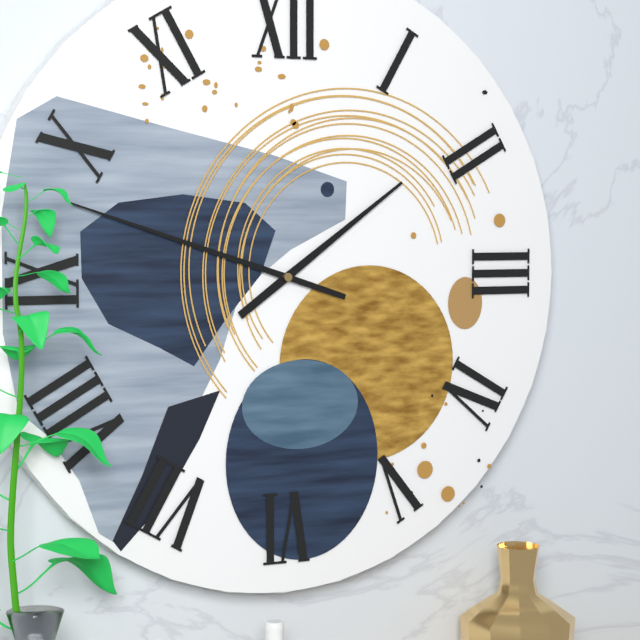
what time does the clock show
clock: 1:48
